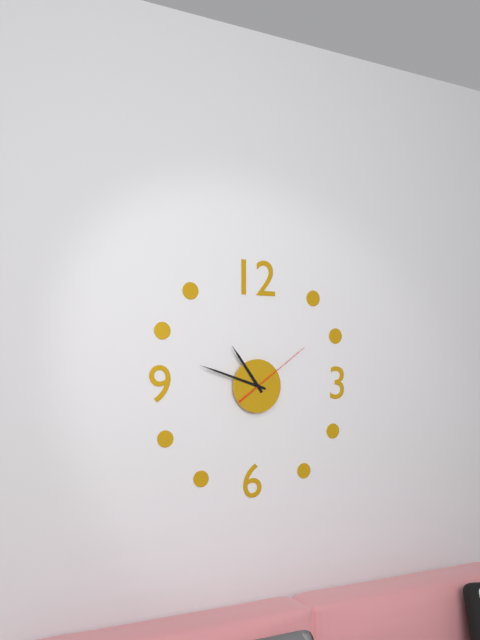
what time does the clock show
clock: 10:48:09
